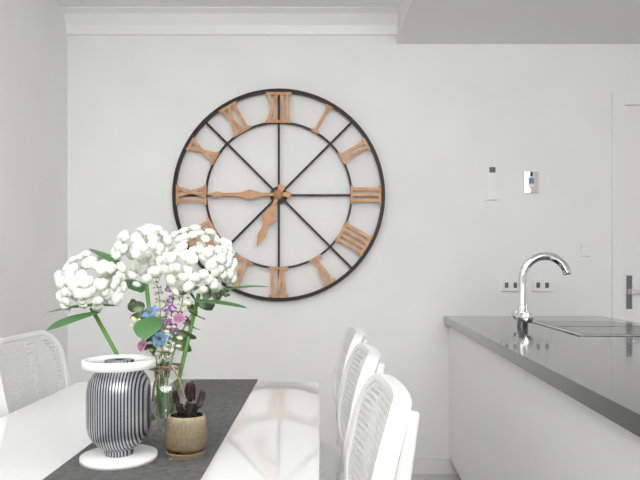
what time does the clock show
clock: 6:45
